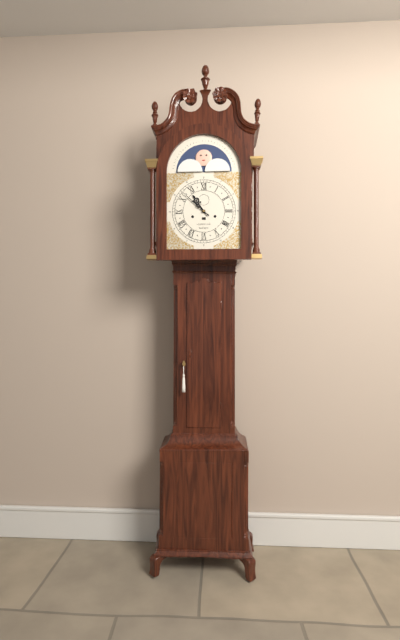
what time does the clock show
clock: 10:52
